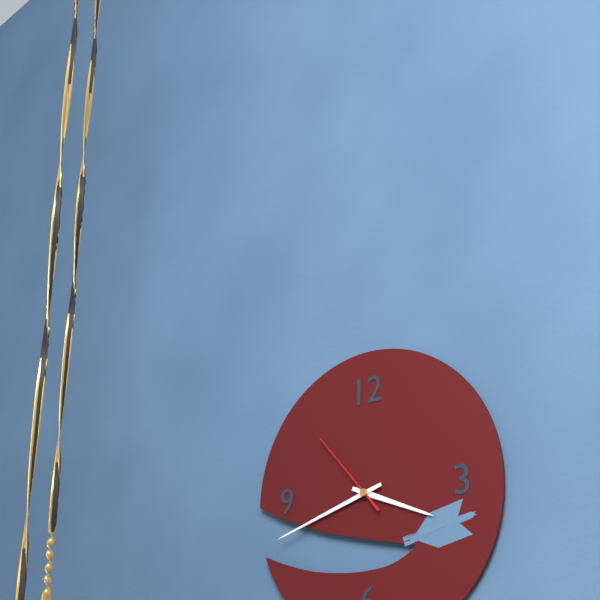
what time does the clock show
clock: 3:42:53
